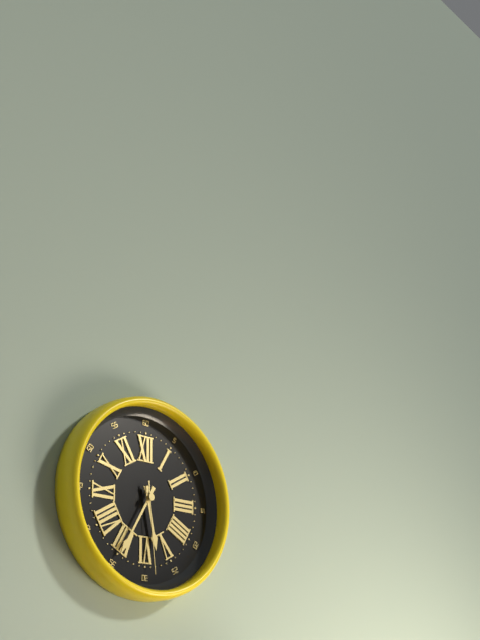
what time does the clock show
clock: 5:35:29
